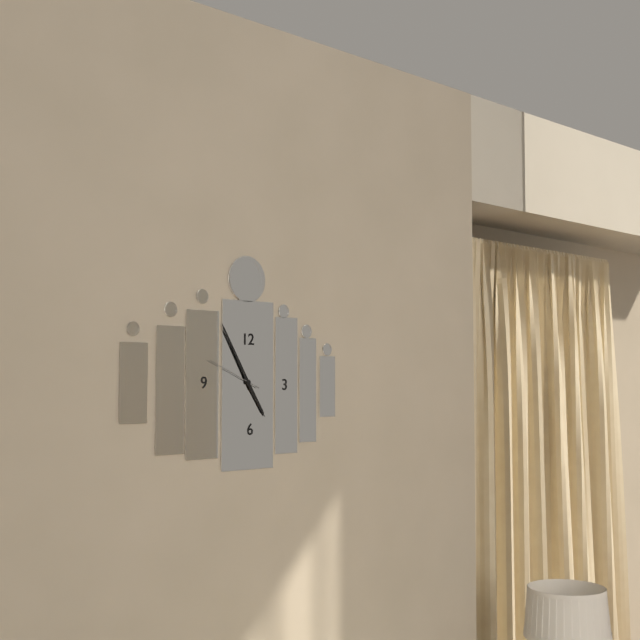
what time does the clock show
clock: 4:55:49
